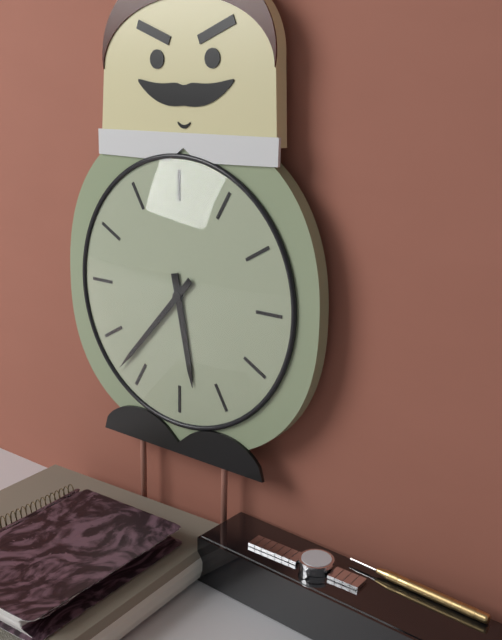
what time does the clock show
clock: 5:37
